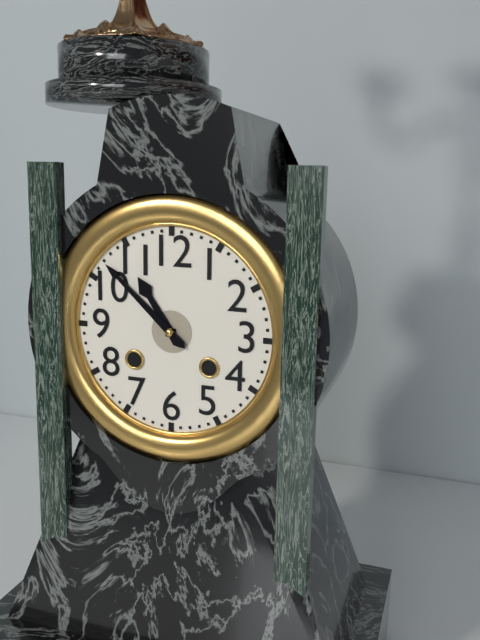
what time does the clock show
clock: 10:52
